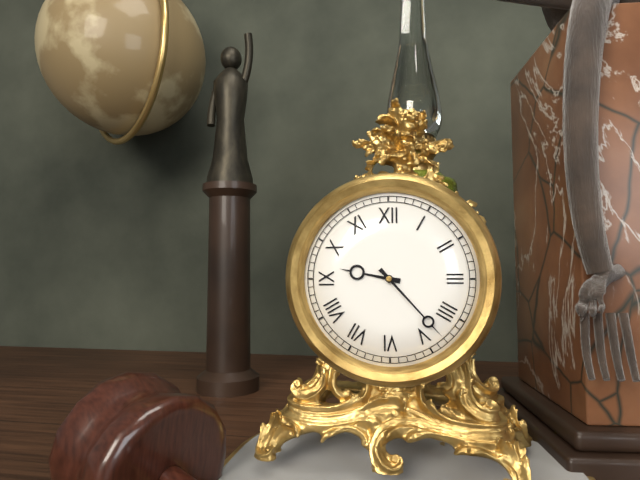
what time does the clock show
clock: 9:23
